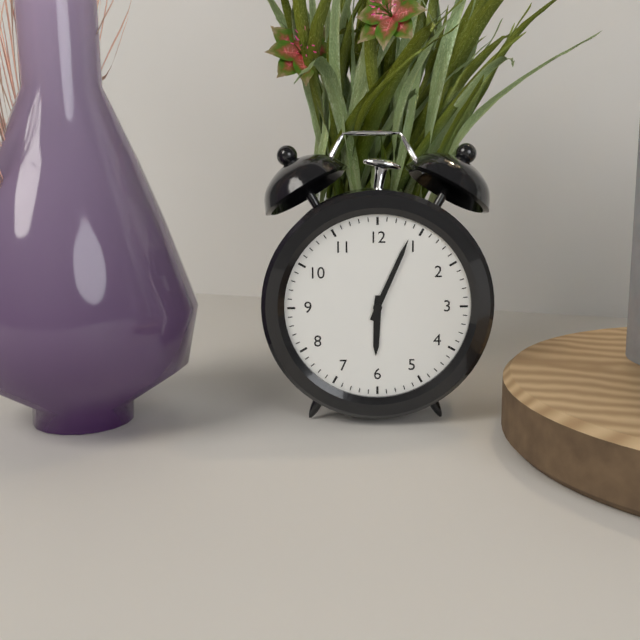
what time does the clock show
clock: 6:04
